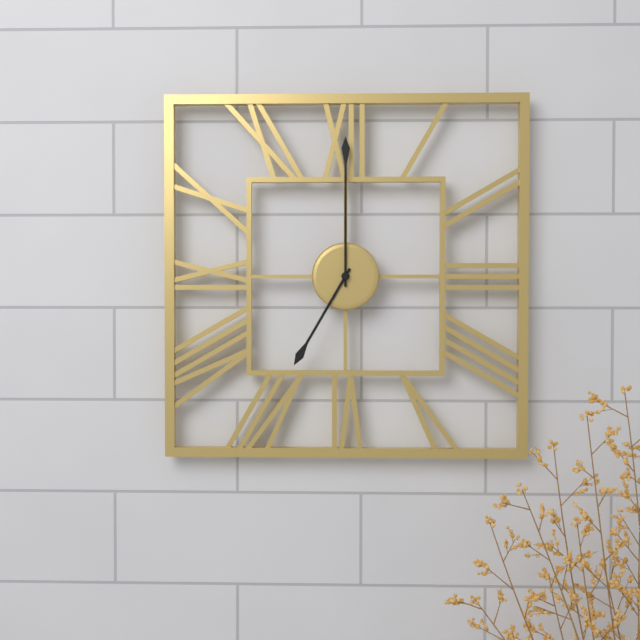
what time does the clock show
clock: 7:00
